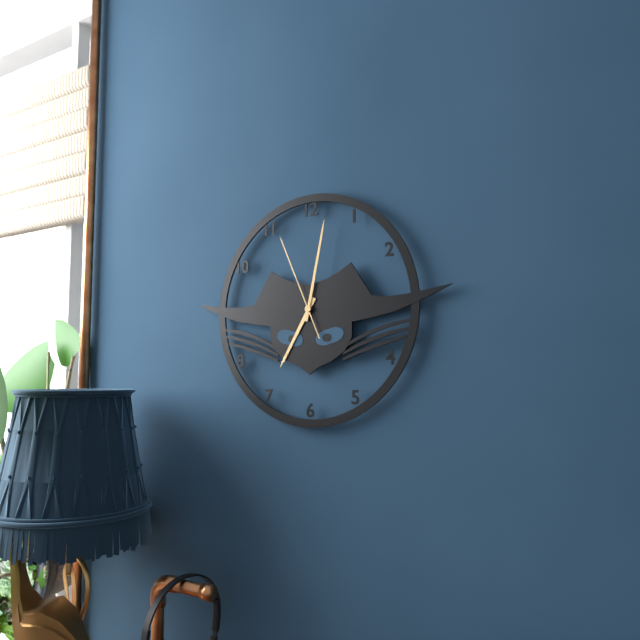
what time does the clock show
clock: 7:02:56
